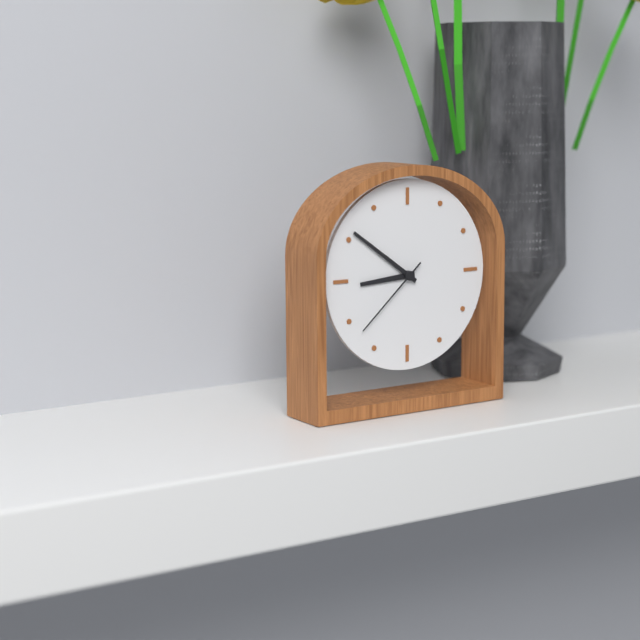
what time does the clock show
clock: 8:51:38
